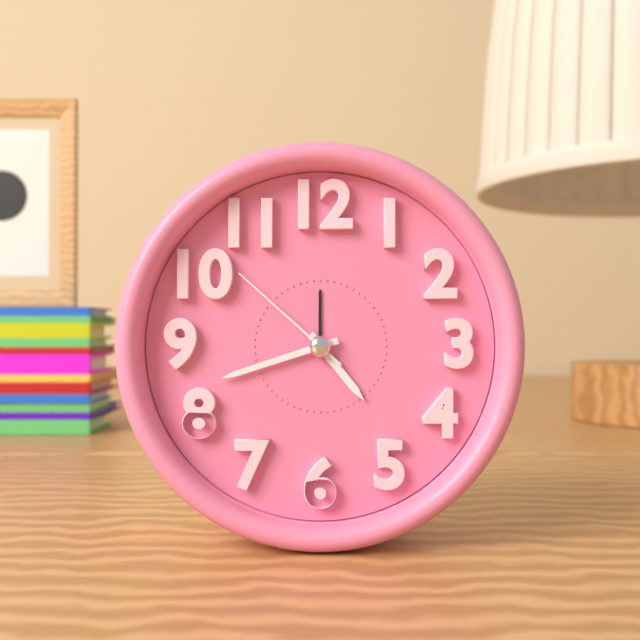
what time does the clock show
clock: 4:42:52
